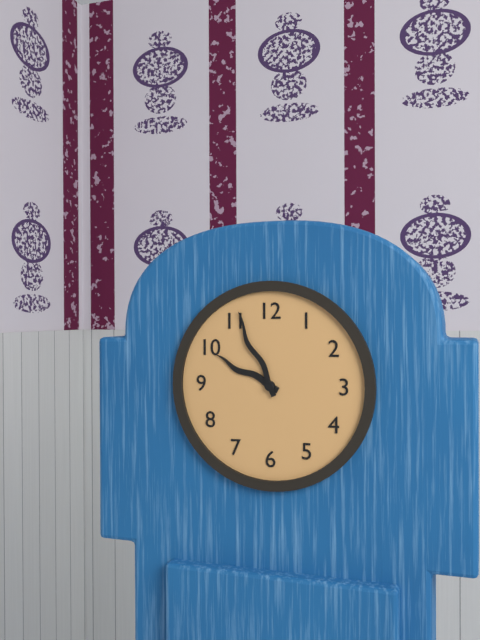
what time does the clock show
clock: 9:56
